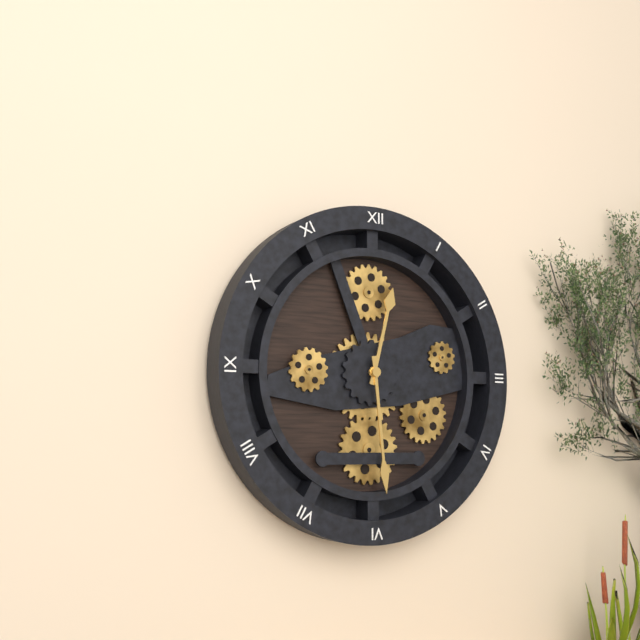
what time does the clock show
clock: 12:29
